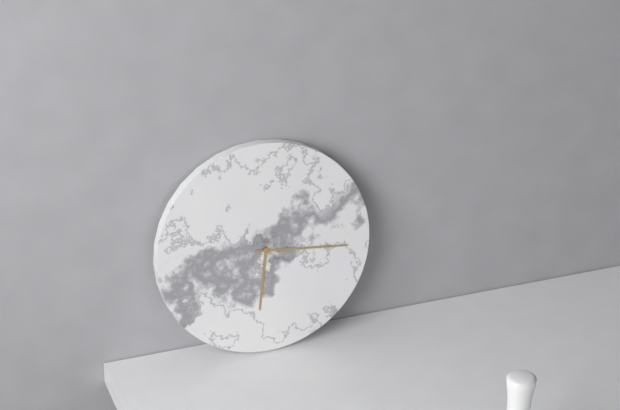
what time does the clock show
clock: 6:16
